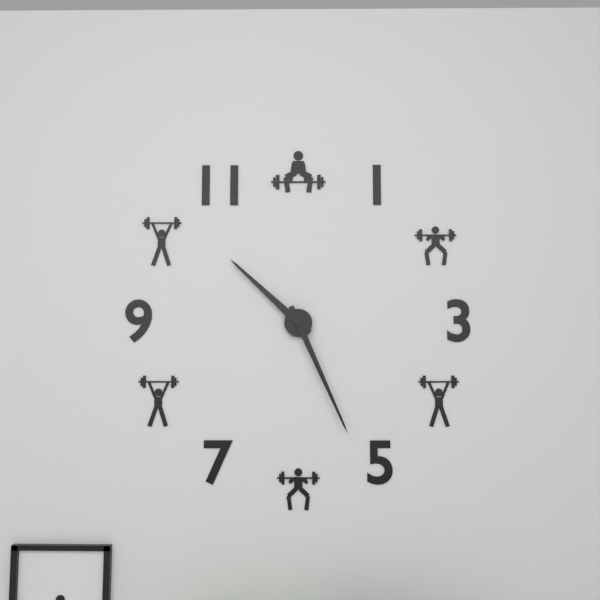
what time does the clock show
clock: 10:26
